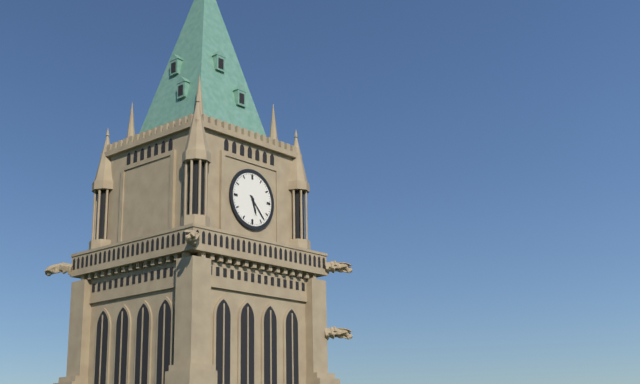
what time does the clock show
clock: 5:23
